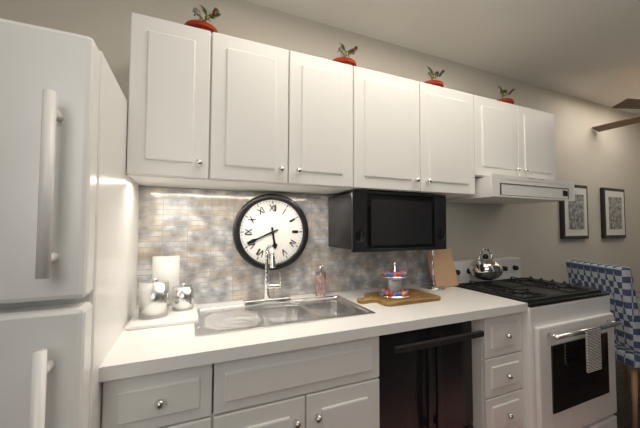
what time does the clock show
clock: 5:41
